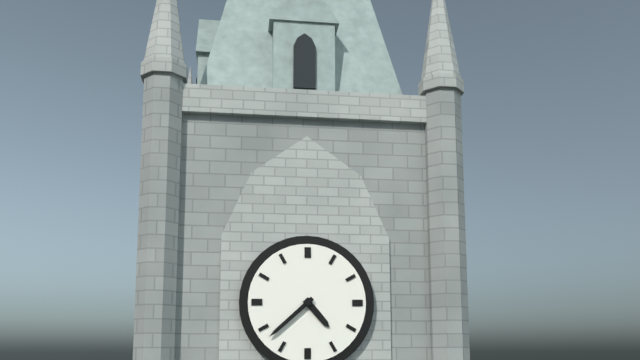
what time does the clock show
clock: 4:38
